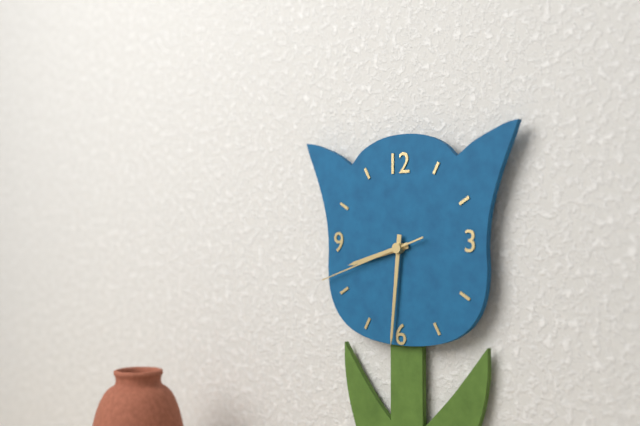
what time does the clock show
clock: 8:31:42
